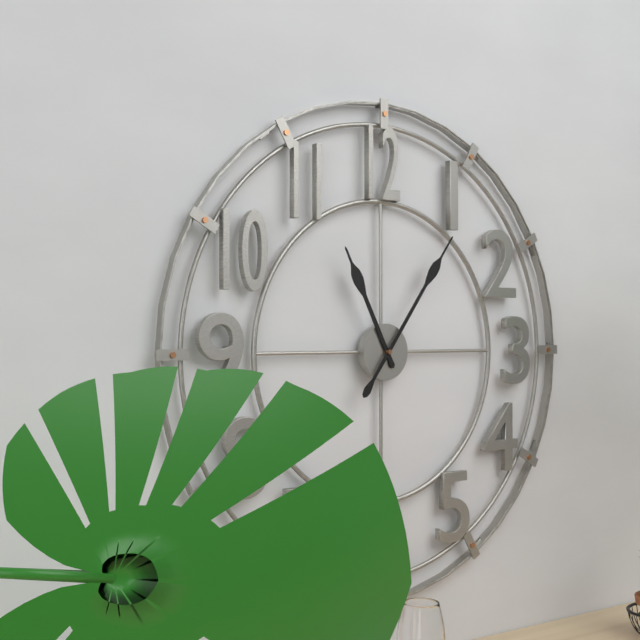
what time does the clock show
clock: 11:06
